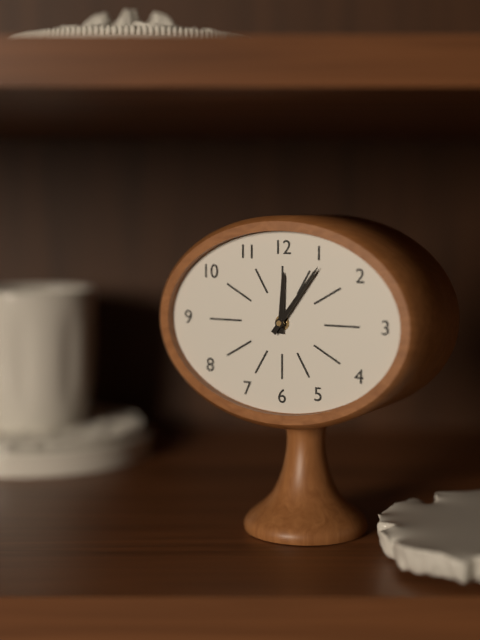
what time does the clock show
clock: 12:06
